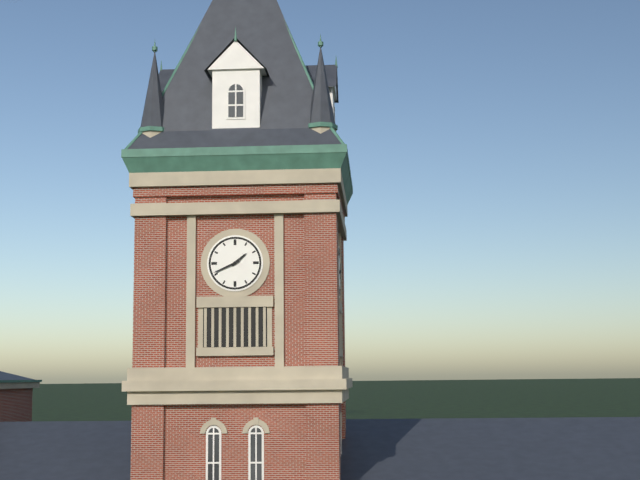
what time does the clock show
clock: 1:41
